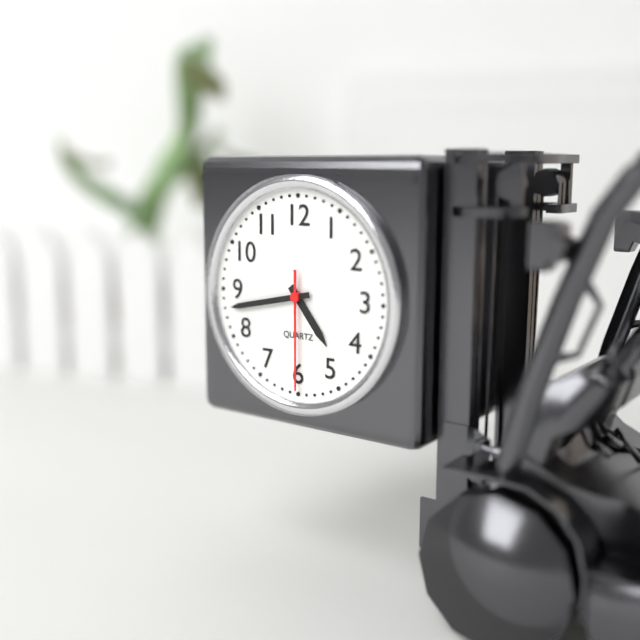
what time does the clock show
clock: 4:43:30
